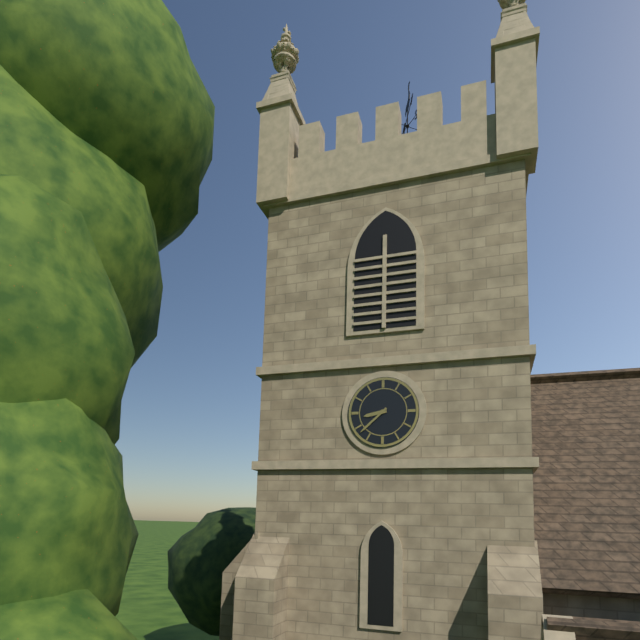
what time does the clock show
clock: 8:38
